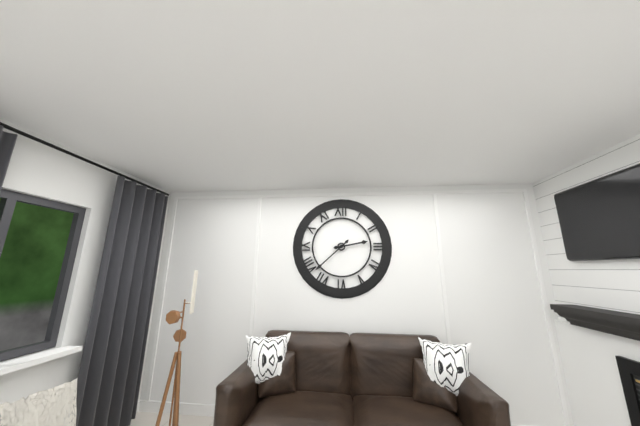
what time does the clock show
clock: 2:38
